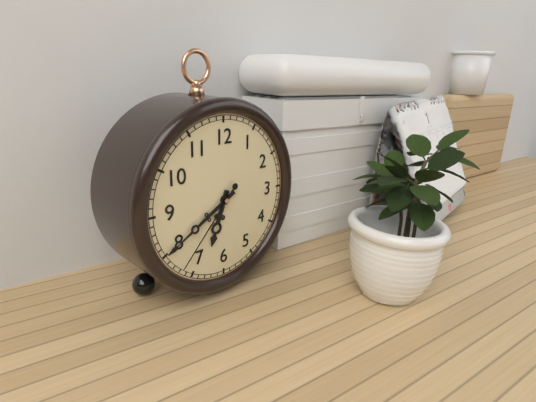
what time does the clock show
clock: 6:40:37
